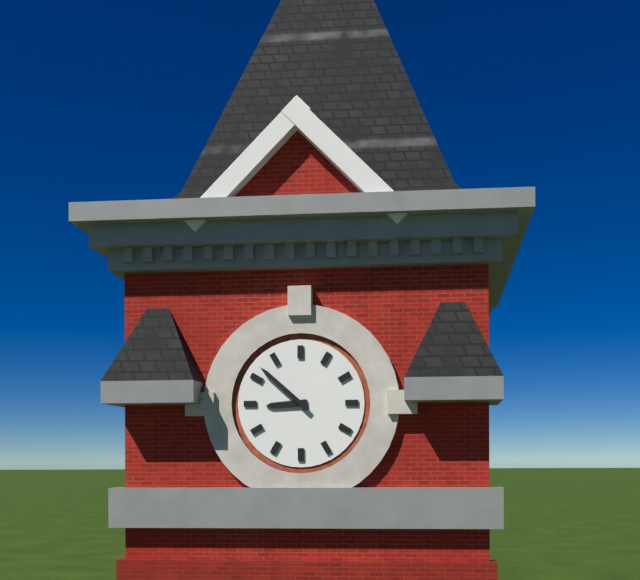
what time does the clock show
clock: 8:52
